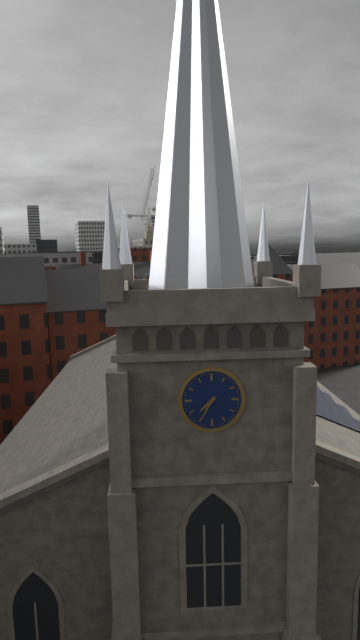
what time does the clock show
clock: 7:35
